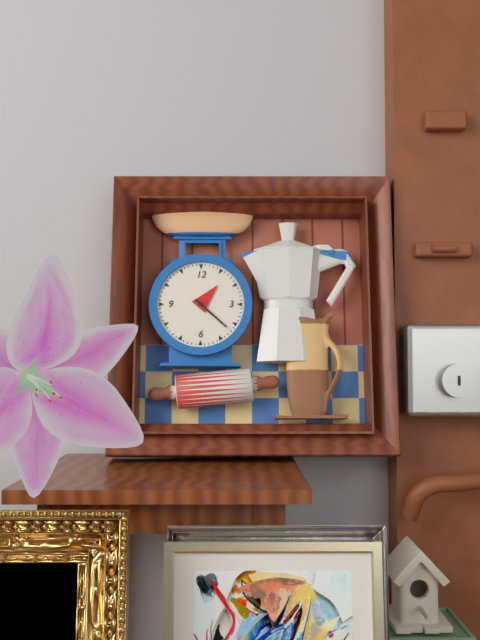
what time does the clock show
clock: 1:22
